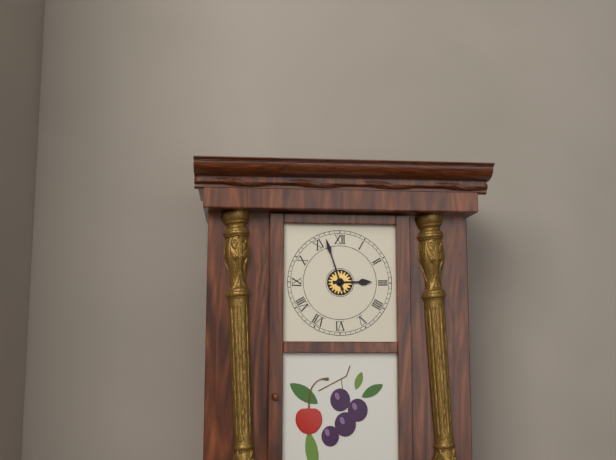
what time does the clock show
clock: 2:57
